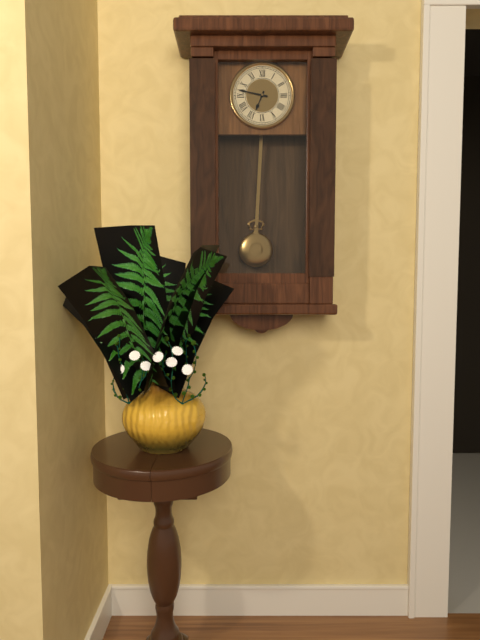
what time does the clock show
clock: 6:47
